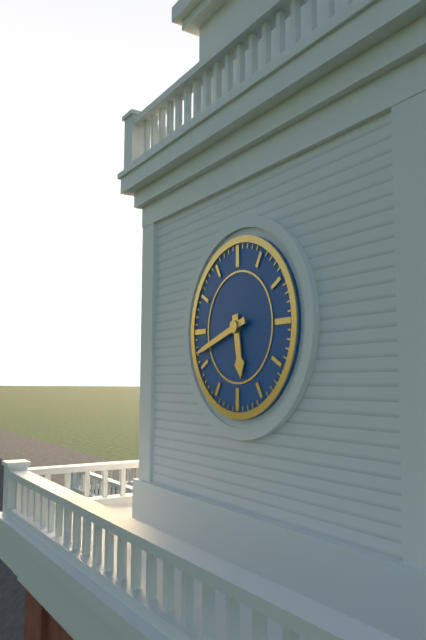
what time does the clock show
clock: 5:42
